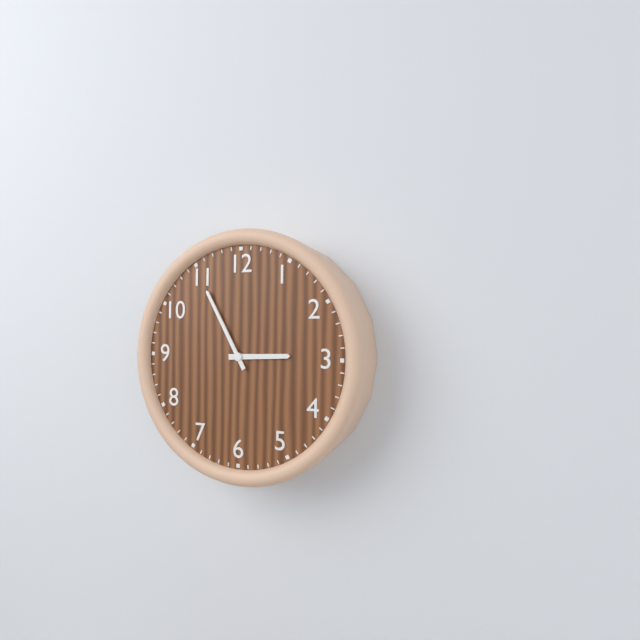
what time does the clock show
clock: 2:55
